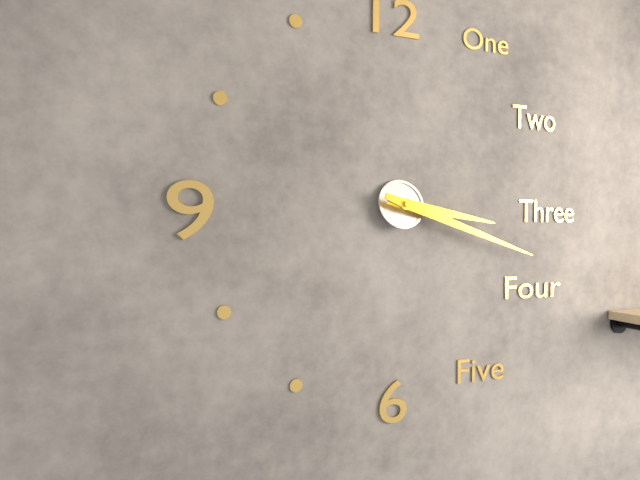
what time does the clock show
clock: 3:18
